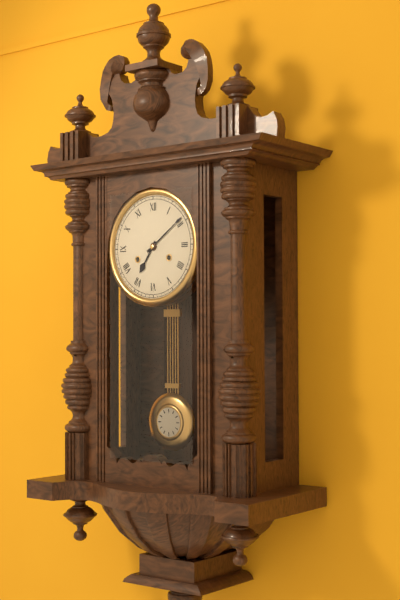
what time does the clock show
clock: 7:09
